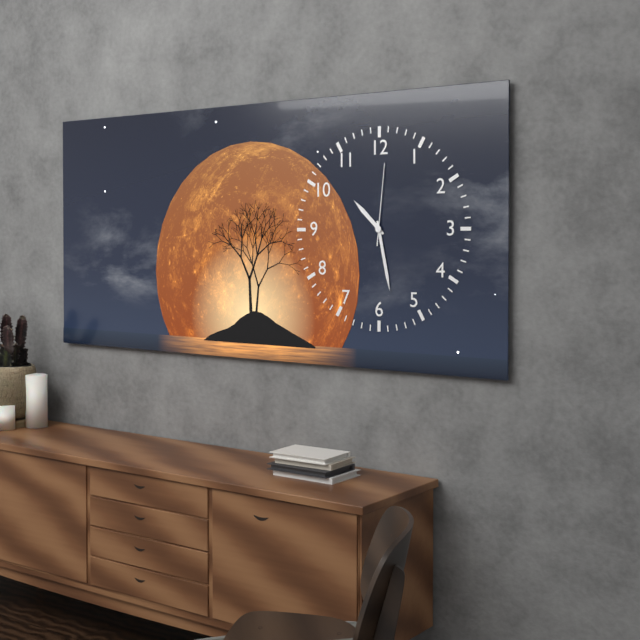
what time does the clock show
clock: 10:28:01
